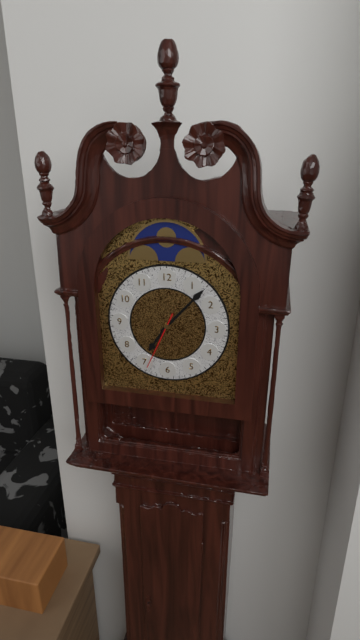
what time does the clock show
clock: 7:07:34
